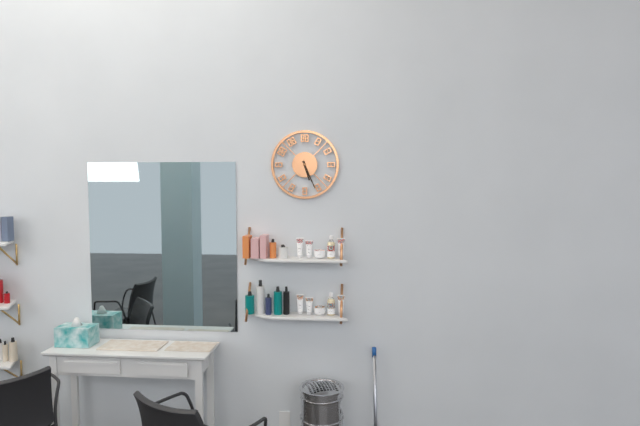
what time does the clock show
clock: 5:26
